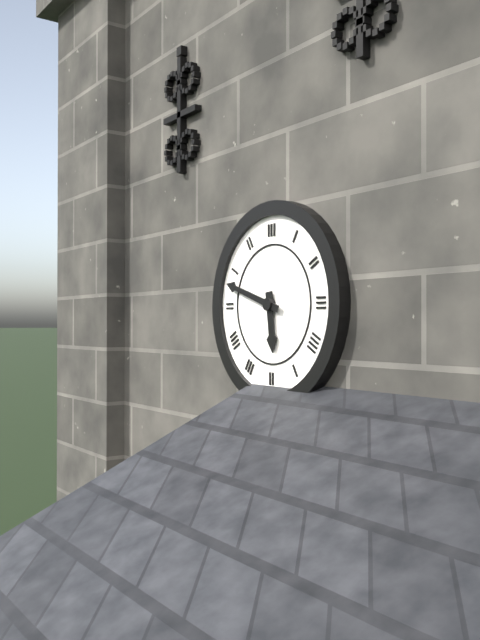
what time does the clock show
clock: 5:48
